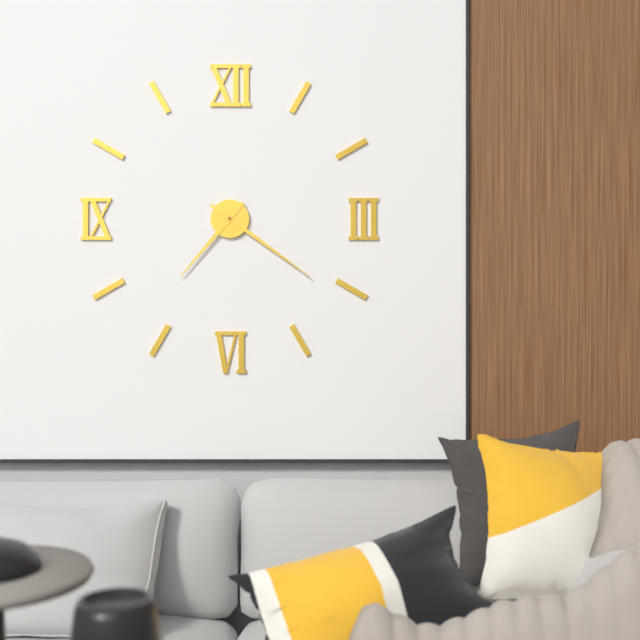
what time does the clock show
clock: 7:21
